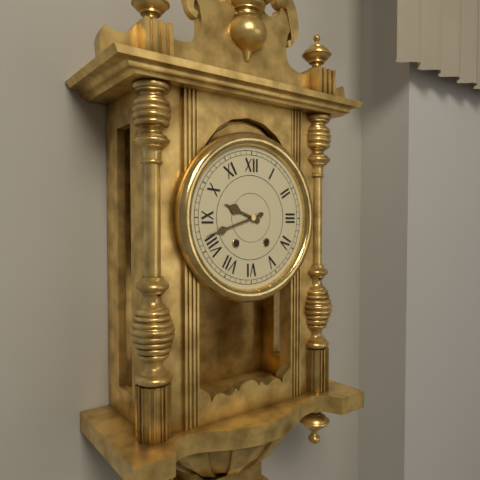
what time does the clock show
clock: 9:42
